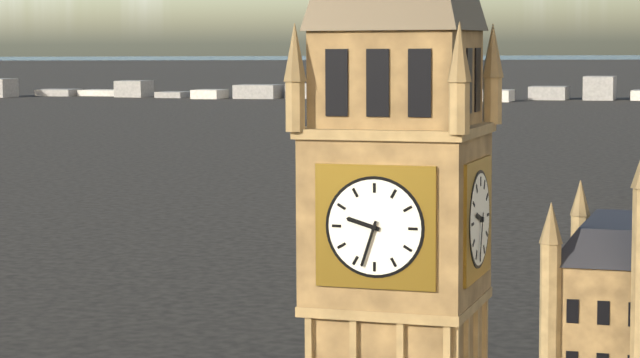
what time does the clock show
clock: 9:33
